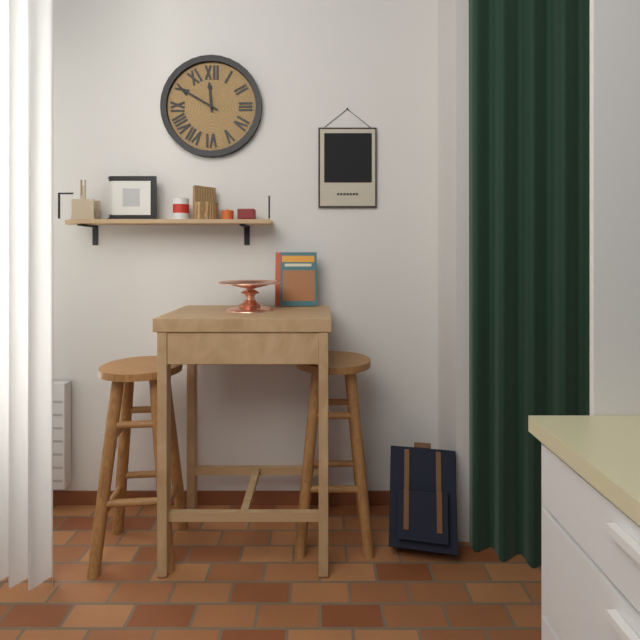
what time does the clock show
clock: 11:50
